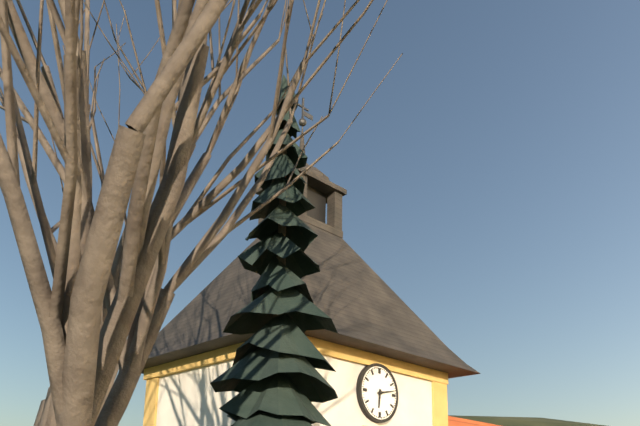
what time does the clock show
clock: 6:13
